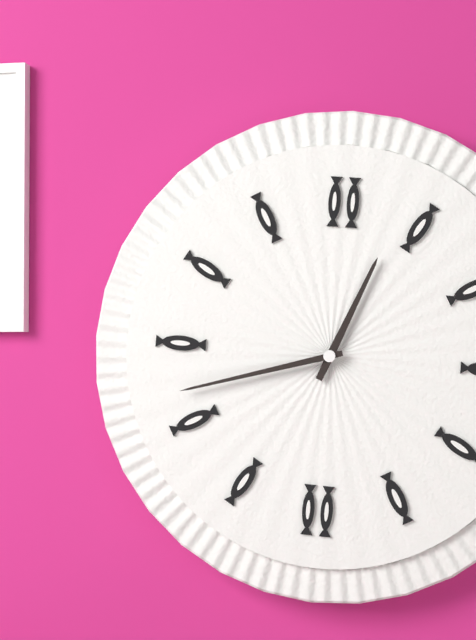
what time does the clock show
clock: 12:42
